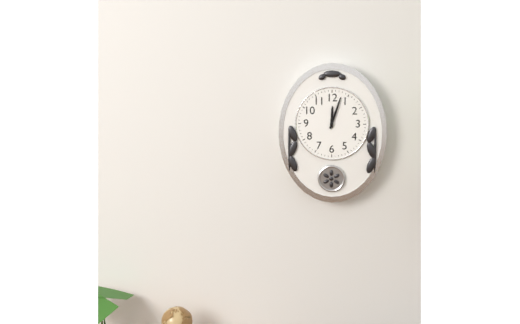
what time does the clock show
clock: 12:03
